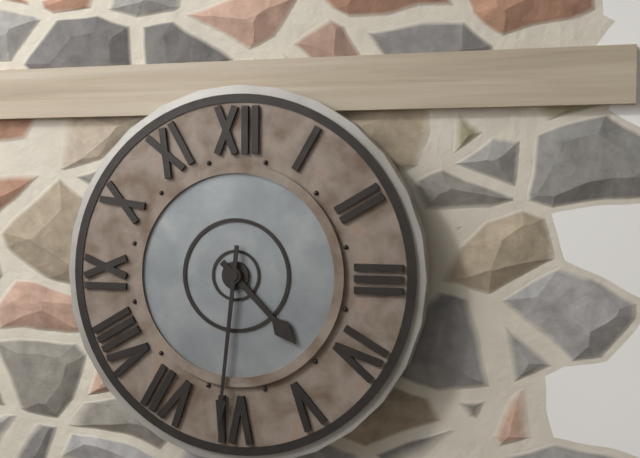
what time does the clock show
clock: 4:31
